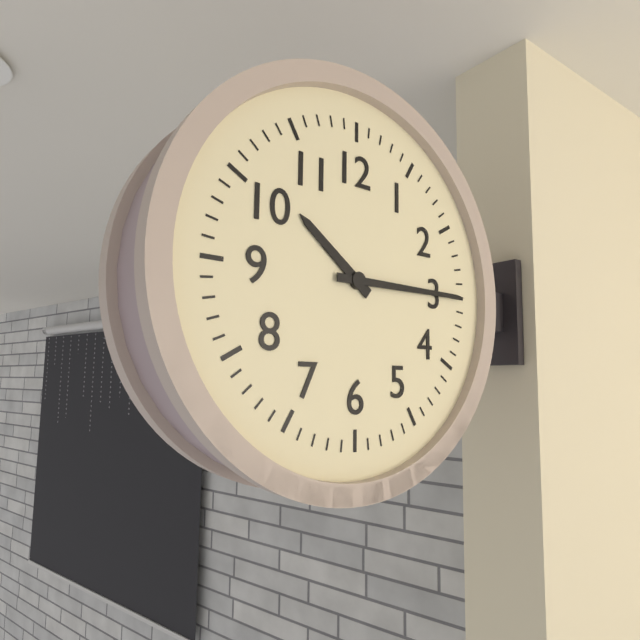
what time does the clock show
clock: 10:15
